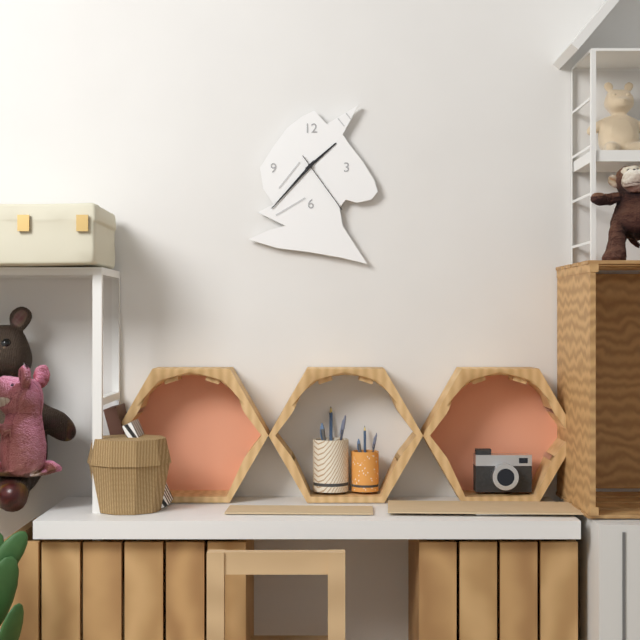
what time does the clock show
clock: 1:37:24
